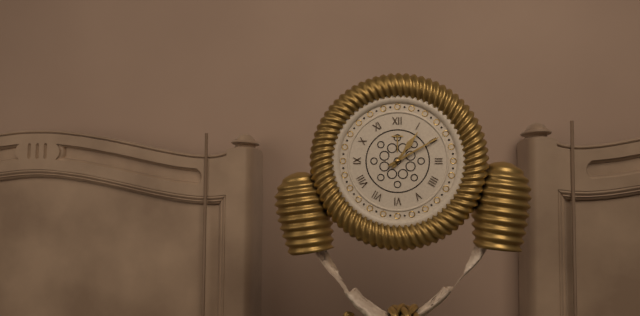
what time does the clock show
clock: 1:10
